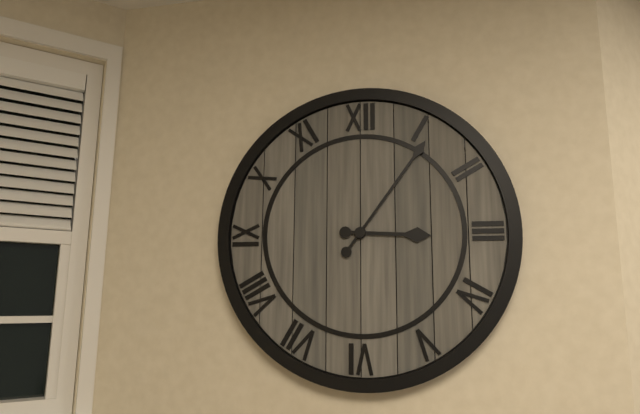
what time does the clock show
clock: 3:06
